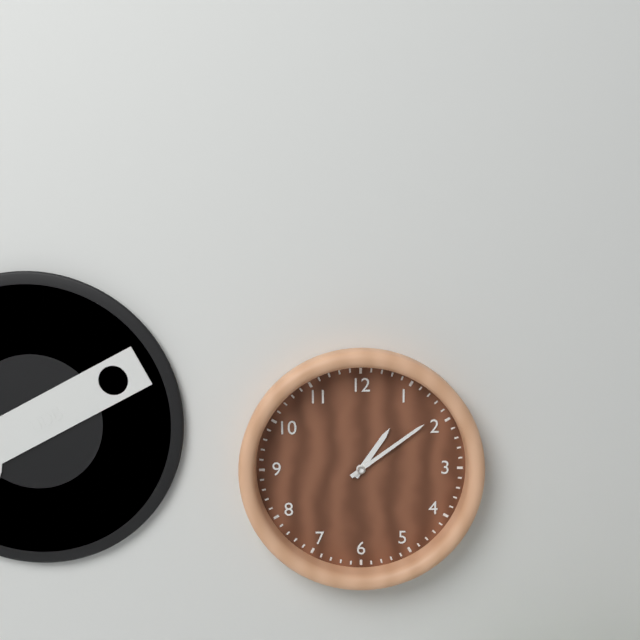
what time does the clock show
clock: 1:09
